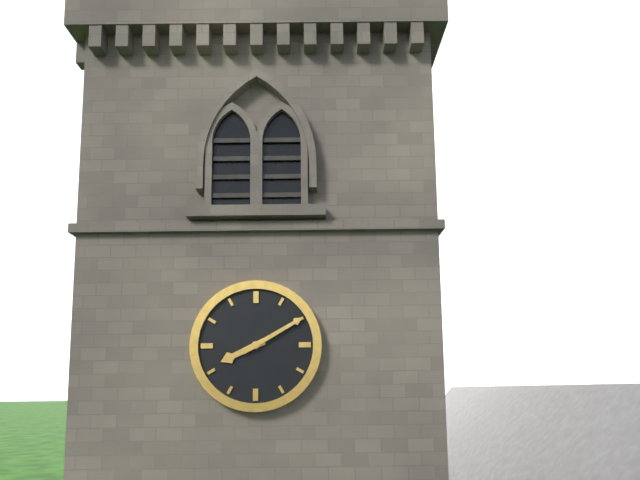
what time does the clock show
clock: 8:10
